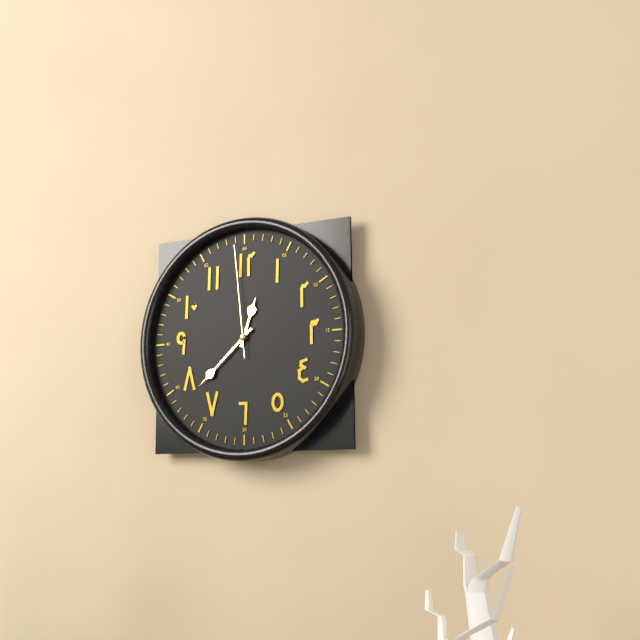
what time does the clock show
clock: 12:38:59
